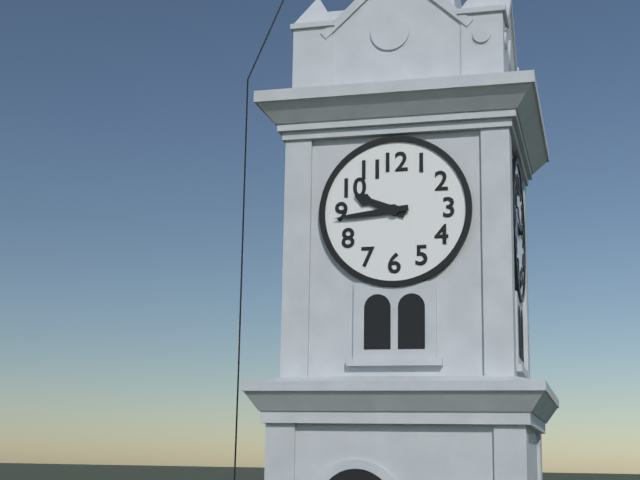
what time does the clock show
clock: 9:44
